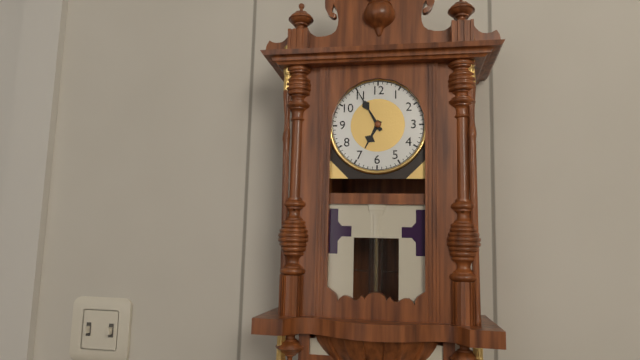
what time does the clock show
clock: 6:55
